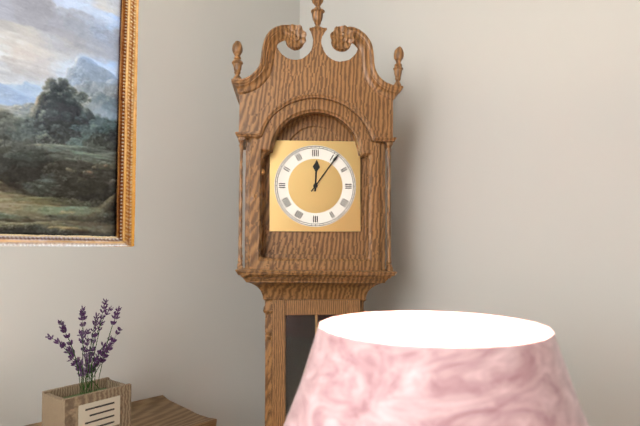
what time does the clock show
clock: 12:06
